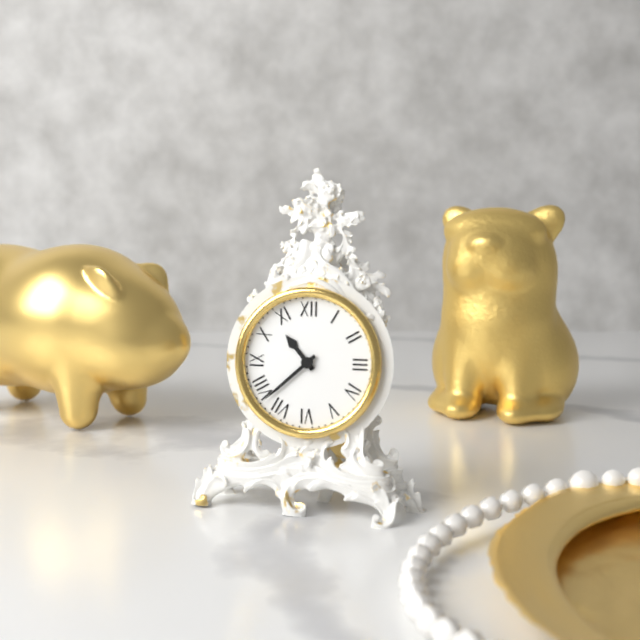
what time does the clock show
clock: 10:38
